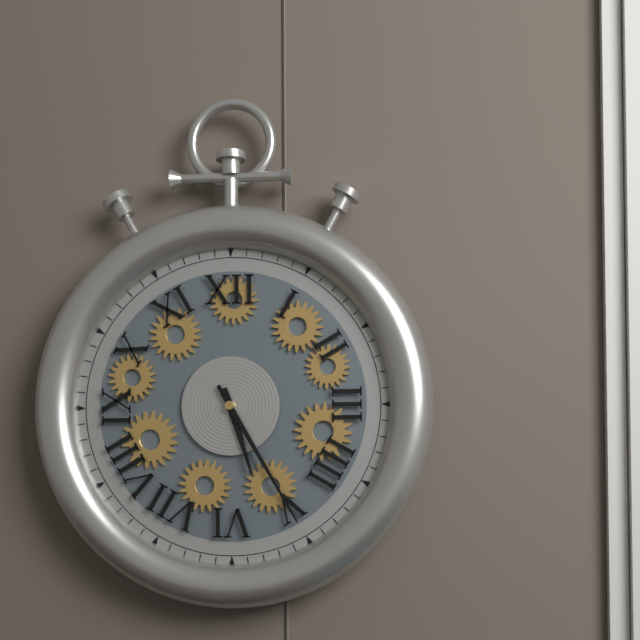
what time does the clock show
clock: 5:25
